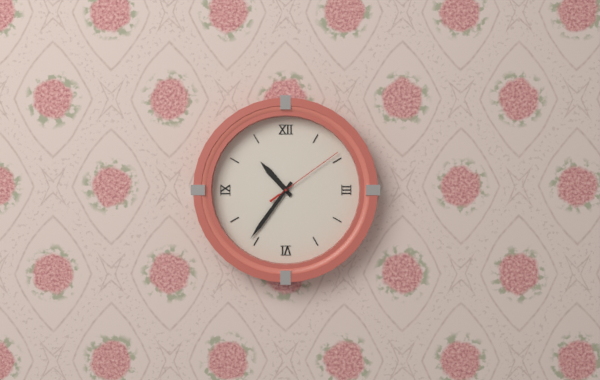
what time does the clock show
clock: 10:36:09
